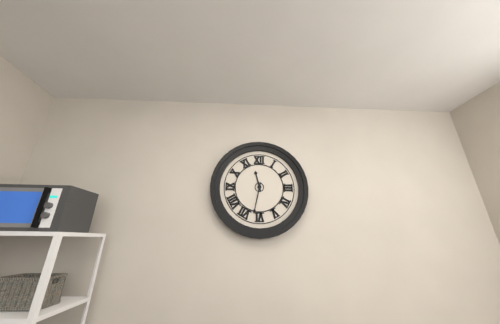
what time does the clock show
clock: 11:32
